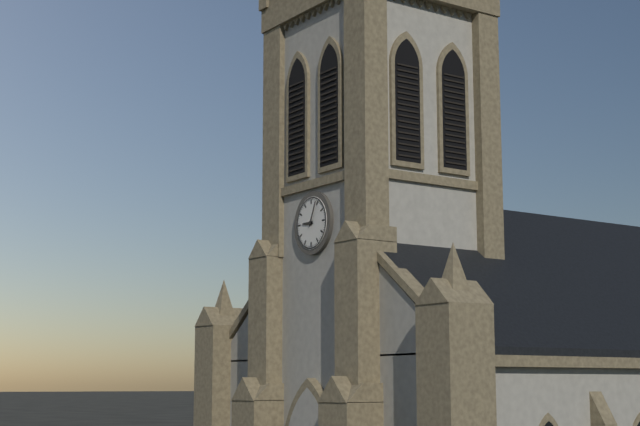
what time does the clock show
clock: 9:04
